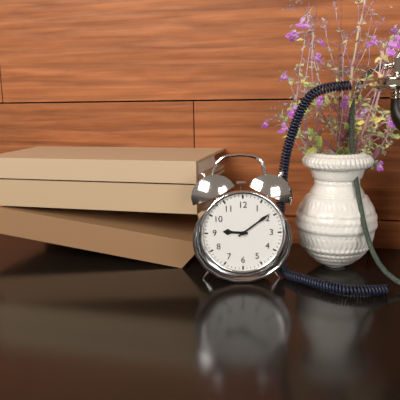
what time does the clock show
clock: 9:09
